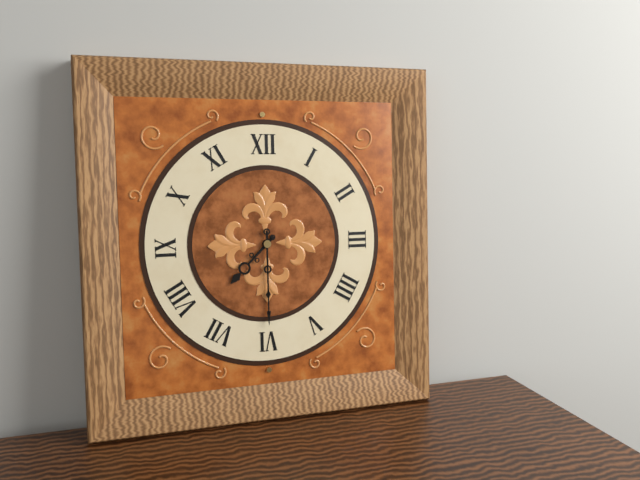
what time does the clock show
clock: 7:30
